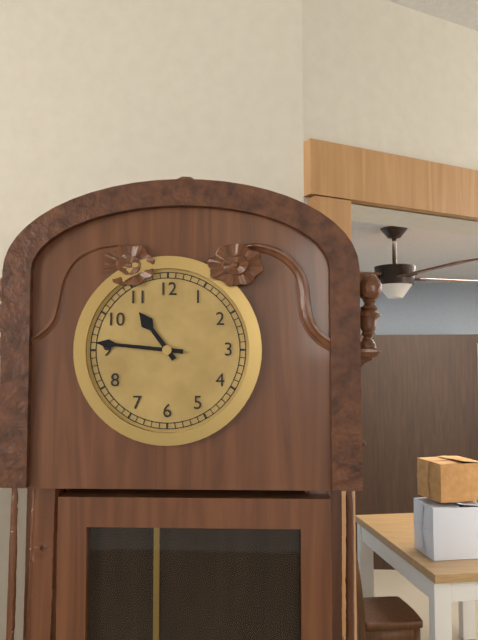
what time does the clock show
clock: 10:46
